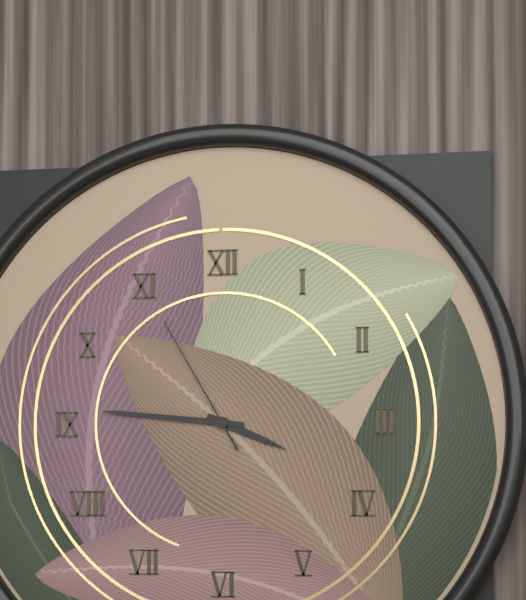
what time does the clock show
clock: 3:46:55
